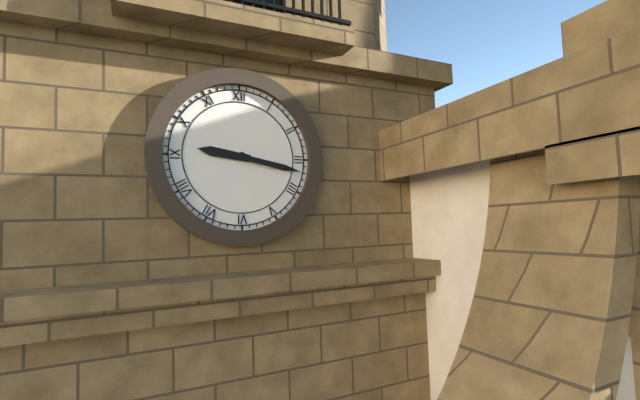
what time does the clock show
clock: 9:17
